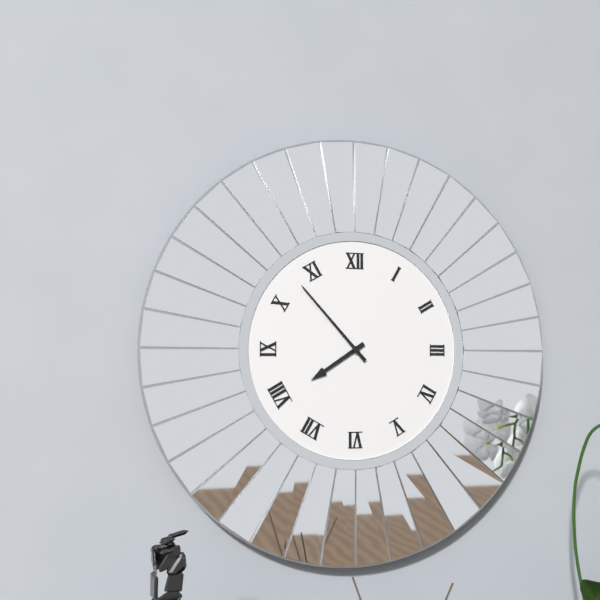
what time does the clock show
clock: 7:53
